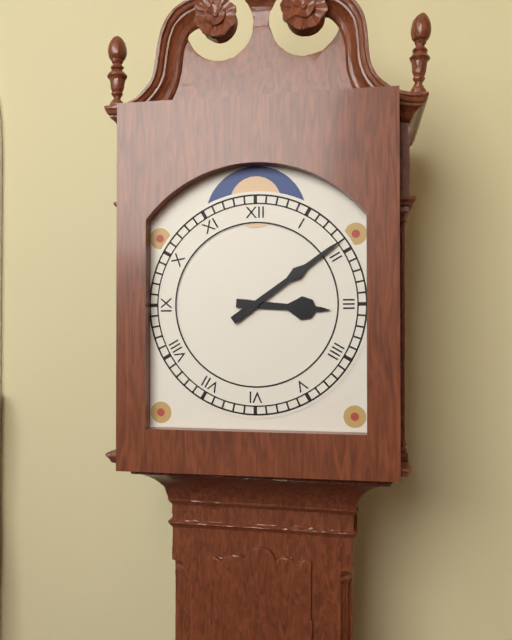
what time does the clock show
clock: 3:09
